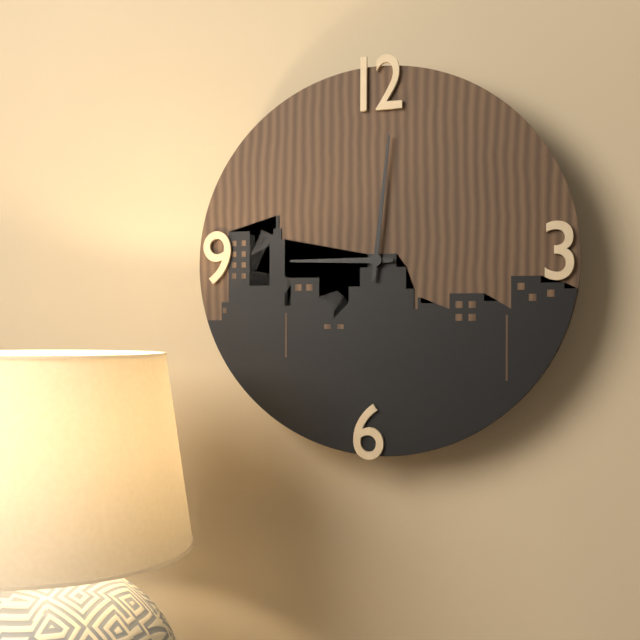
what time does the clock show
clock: 9:01
